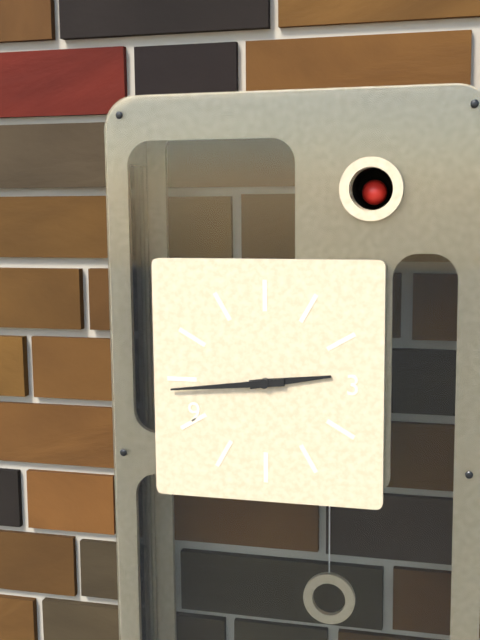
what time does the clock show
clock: 2:44
